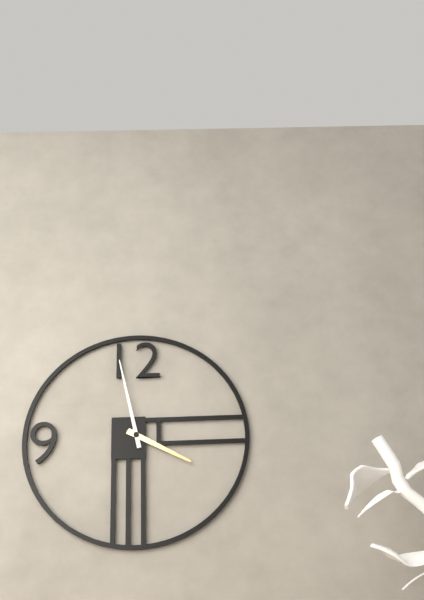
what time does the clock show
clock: 3:58
